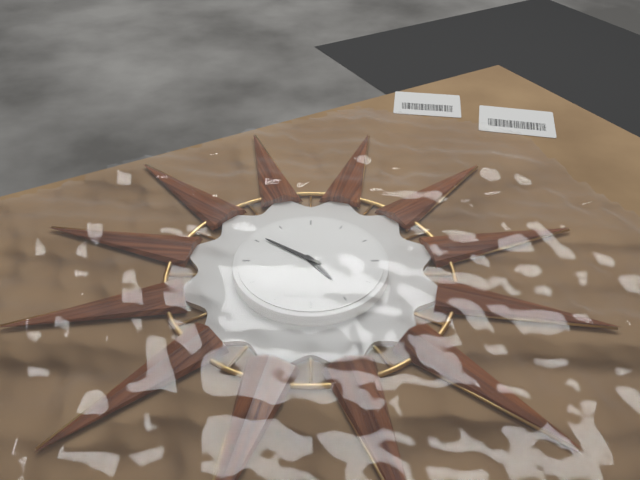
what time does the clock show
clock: 4:51
